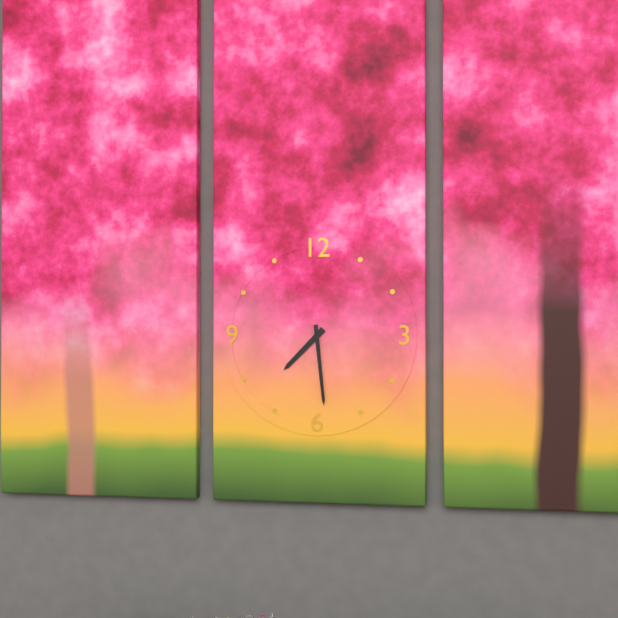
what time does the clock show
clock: 7:29
